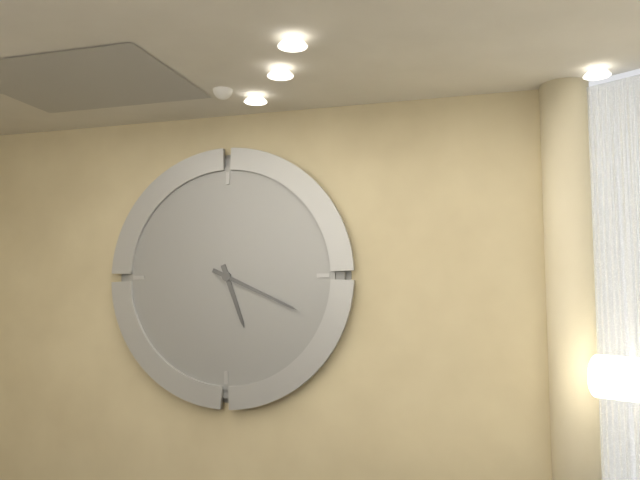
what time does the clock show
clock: 5:19
